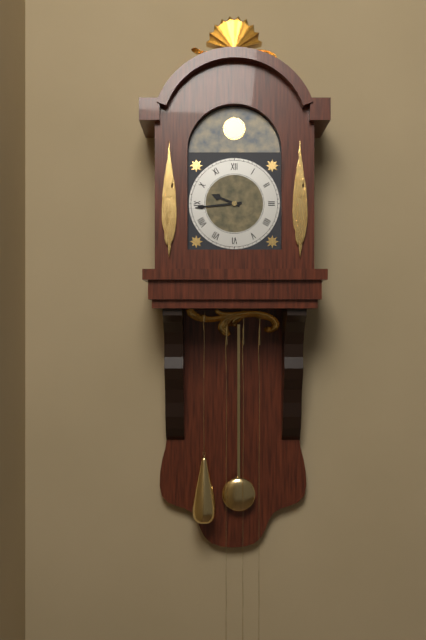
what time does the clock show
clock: 9:44
